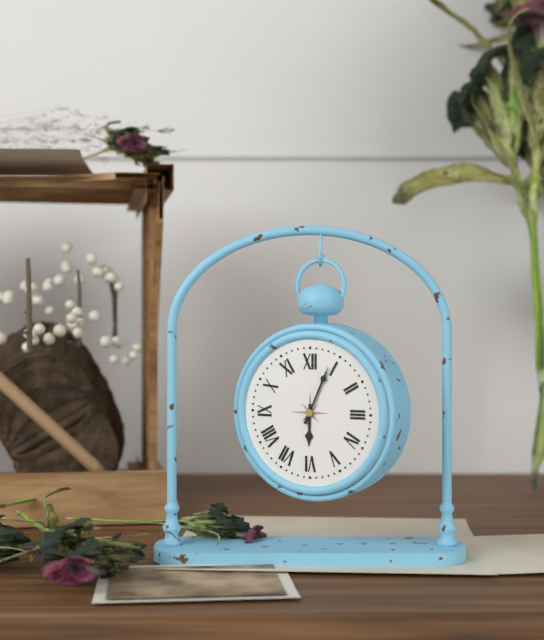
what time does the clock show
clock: 6:04
